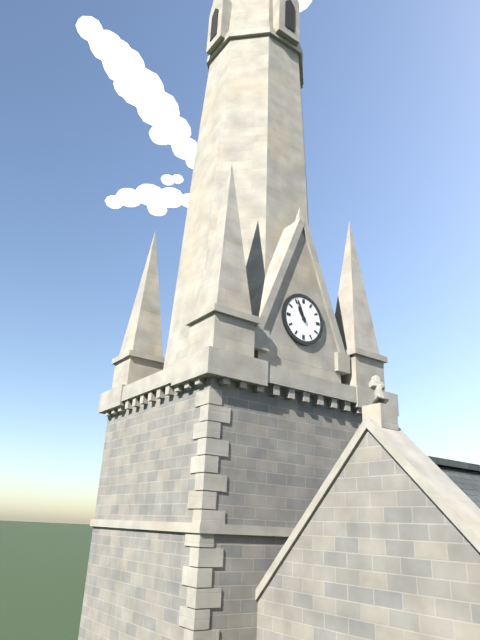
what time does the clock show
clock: 10:56
